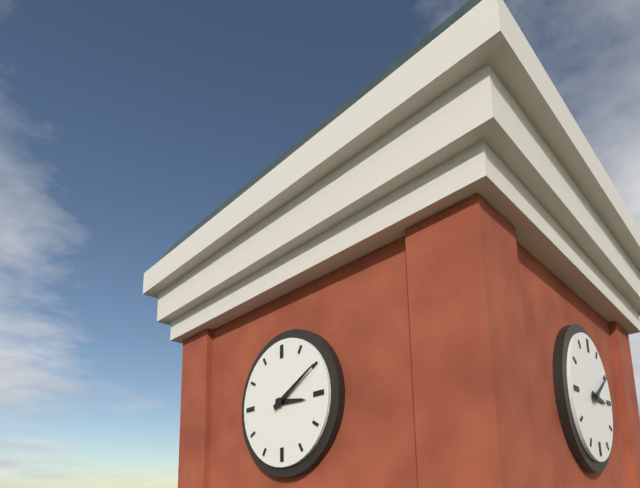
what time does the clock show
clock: 3:10
